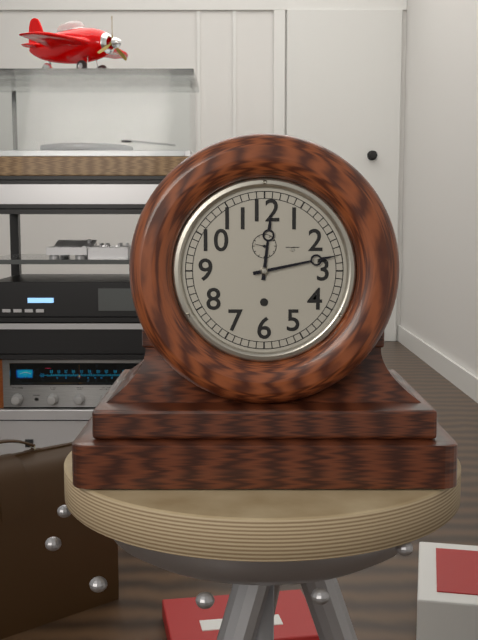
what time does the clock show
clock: 12:13
